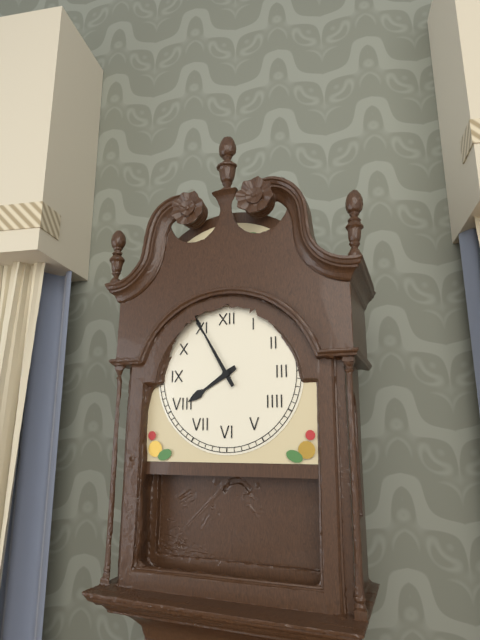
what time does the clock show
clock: 7:55
